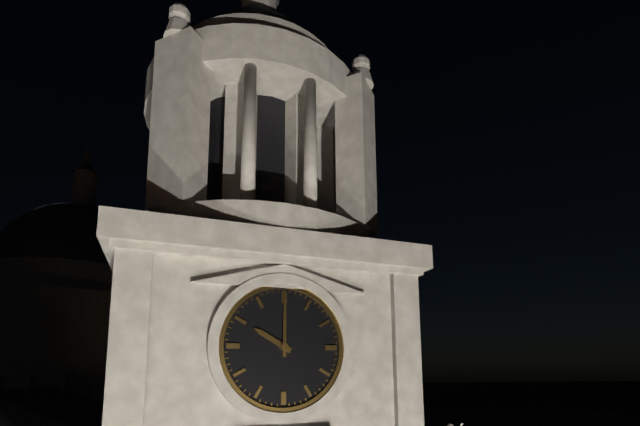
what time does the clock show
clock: 10:00
